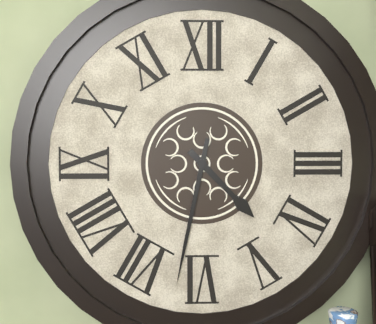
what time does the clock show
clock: 4:32
